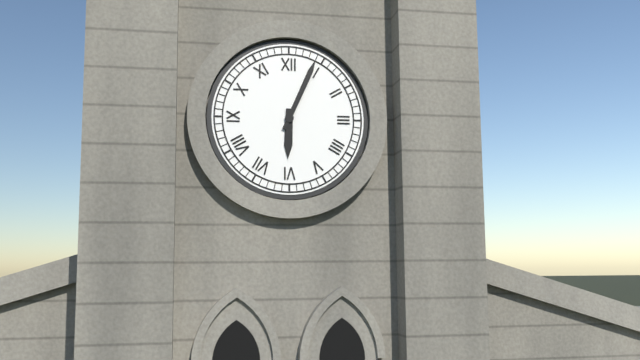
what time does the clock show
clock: 6:04
